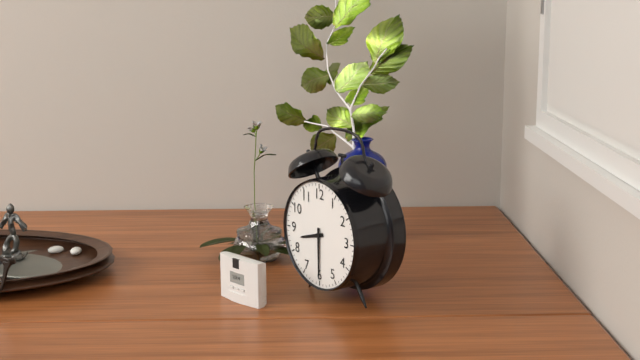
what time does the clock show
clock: 8:30
